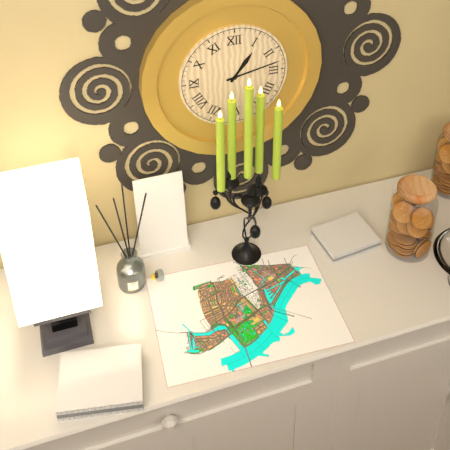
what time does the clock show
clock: 1:13
